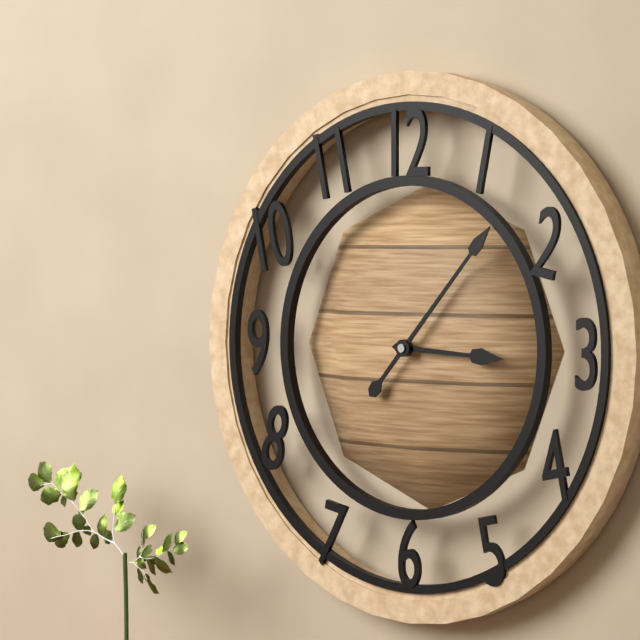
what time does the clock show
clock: 3:07
